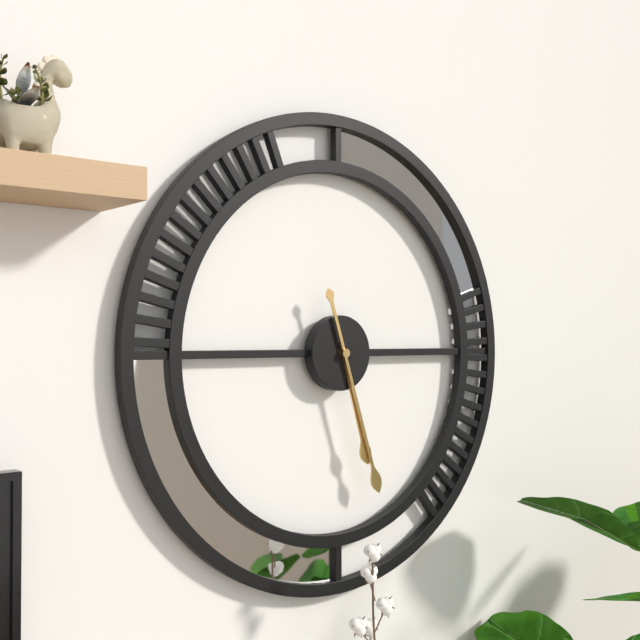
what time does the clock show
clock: 5:27
